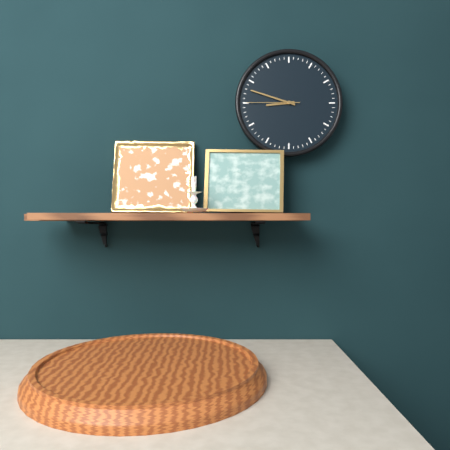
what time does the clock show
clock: 8:48:45
